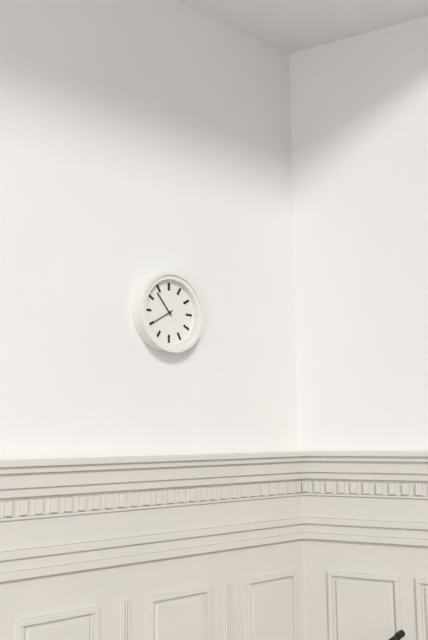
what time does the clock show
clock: 10:40
